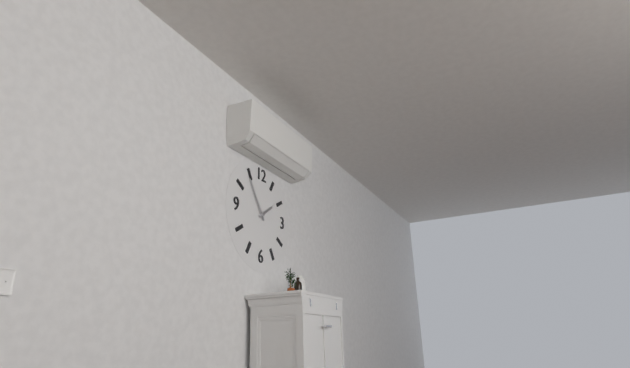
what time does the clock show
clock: 1:54
